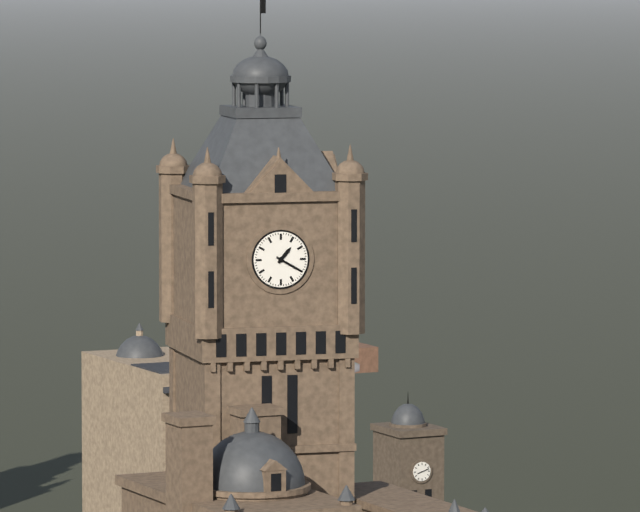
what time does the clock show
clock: 1:20
